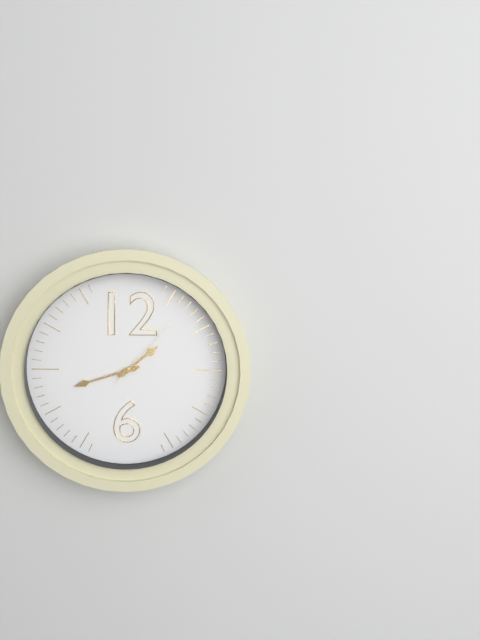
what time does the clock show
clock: 1:42:07
